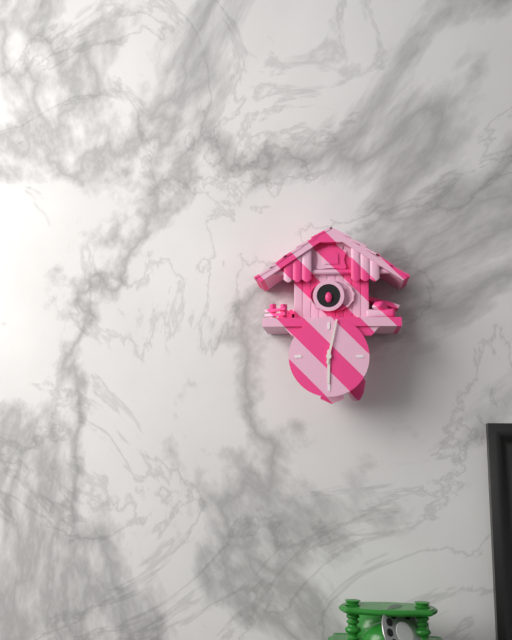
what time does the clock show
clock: 6:02
